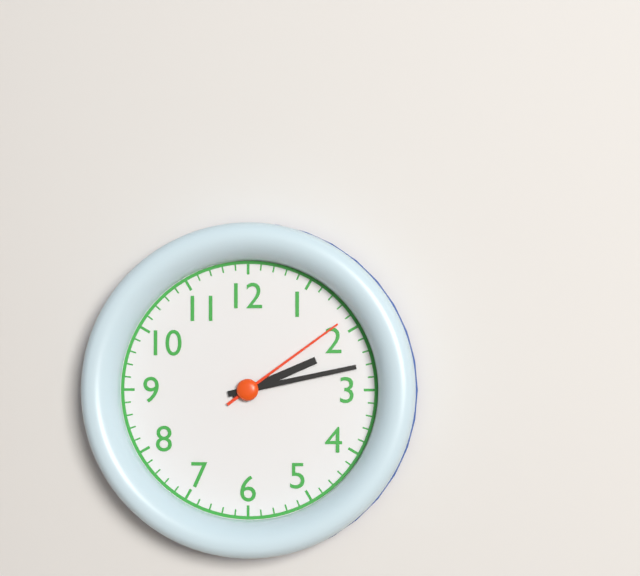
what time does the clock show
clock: 2:13:09
